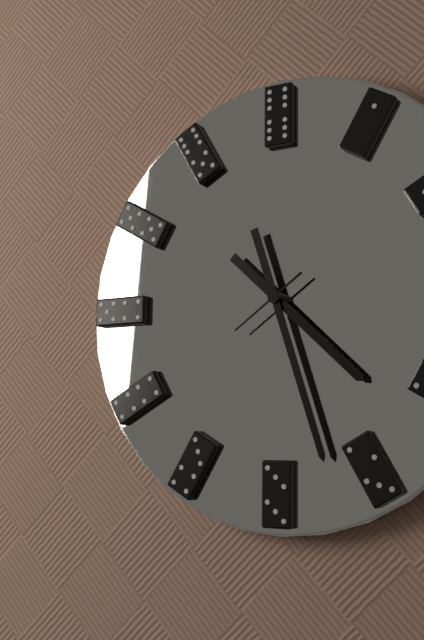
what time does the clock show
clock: 4:27:39
